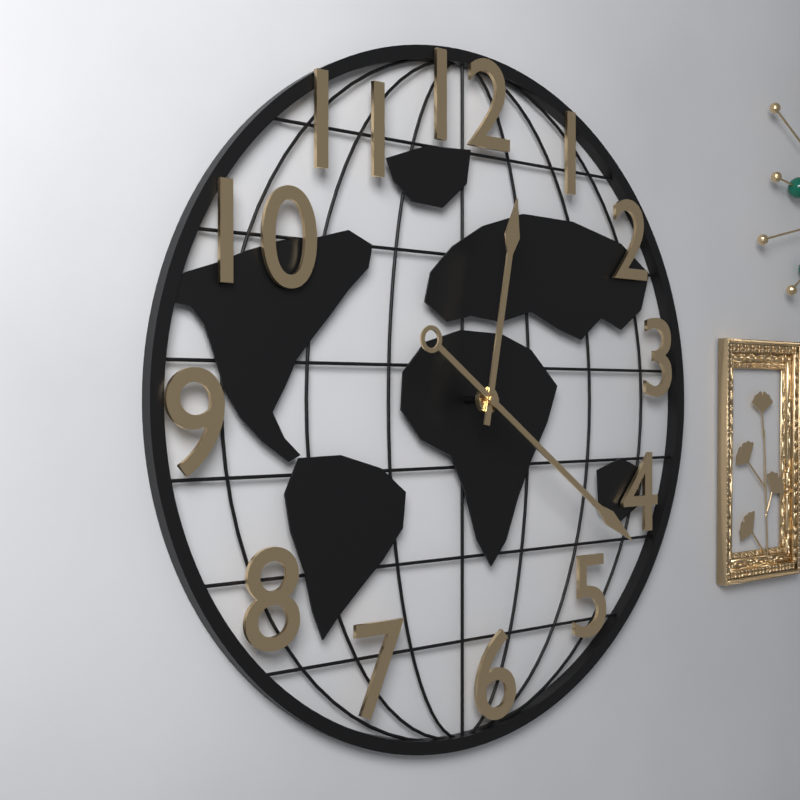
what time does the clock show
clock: 12:21
